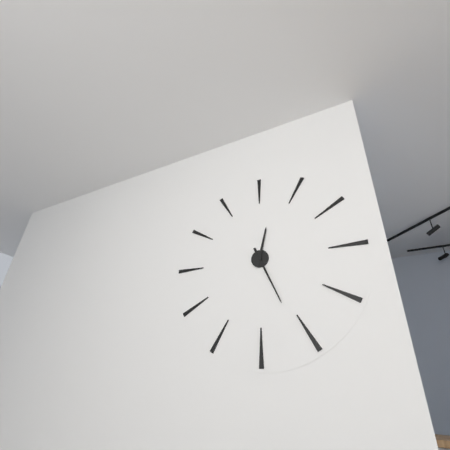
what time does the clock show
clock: 12:26
